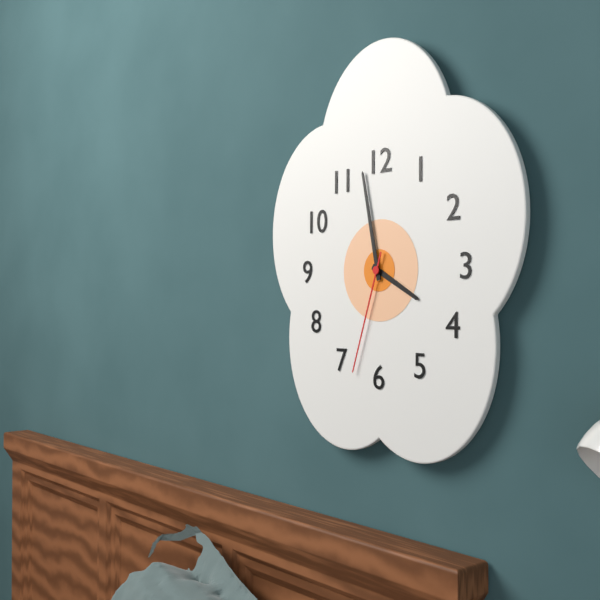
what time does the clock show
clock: 3:58:33
